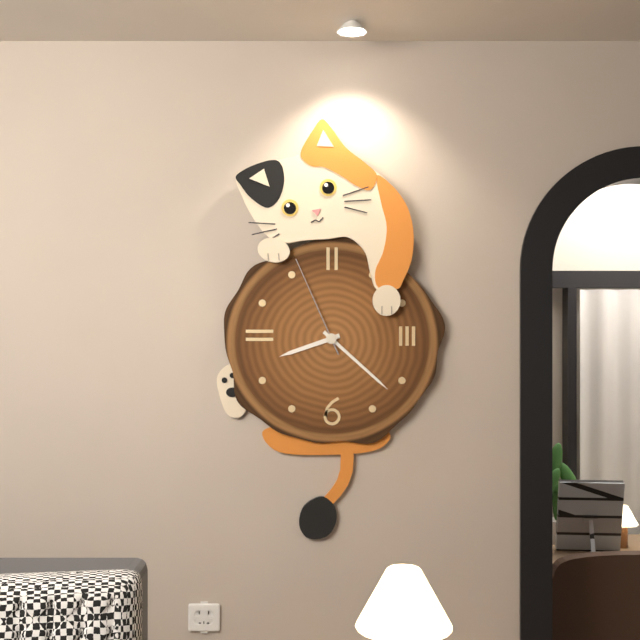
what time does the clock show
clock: 8:22:56
